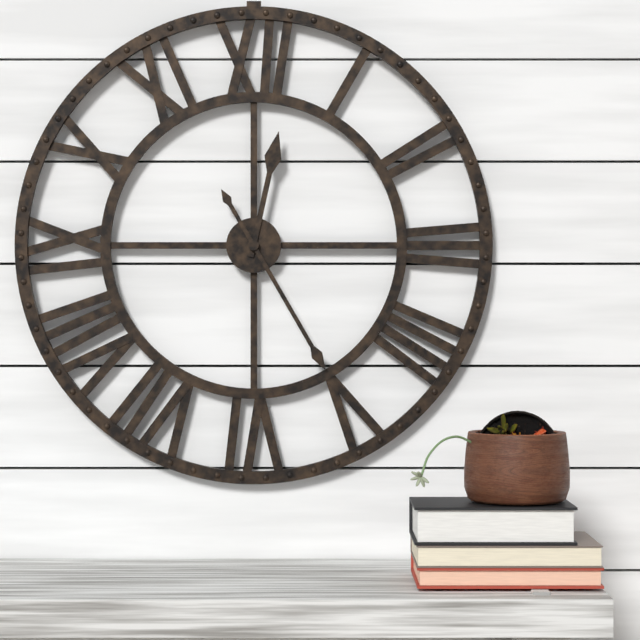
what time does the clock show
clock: 12:25
